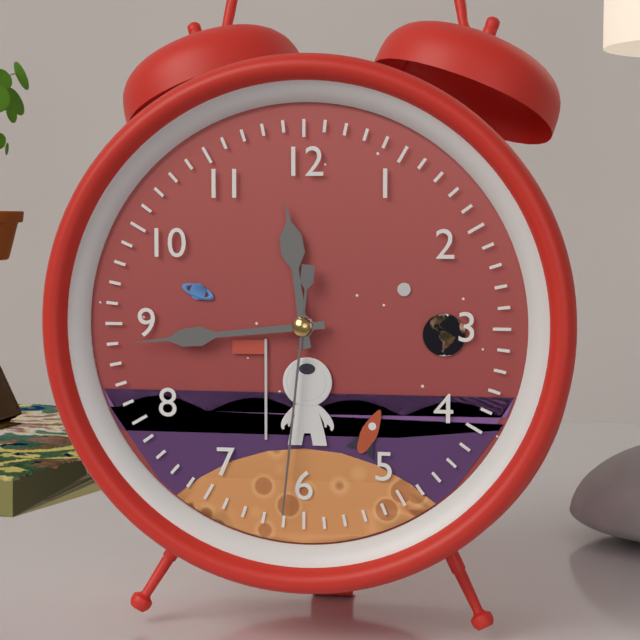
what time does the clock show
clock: 11:44:31
